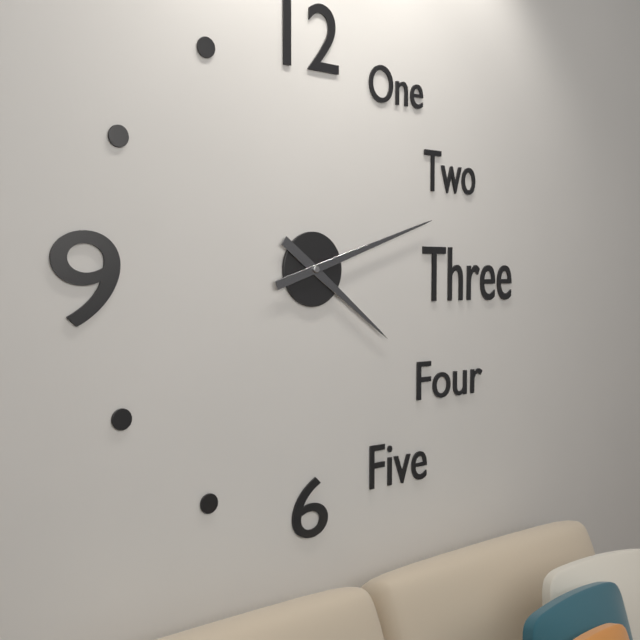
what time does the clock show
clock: 4:12
